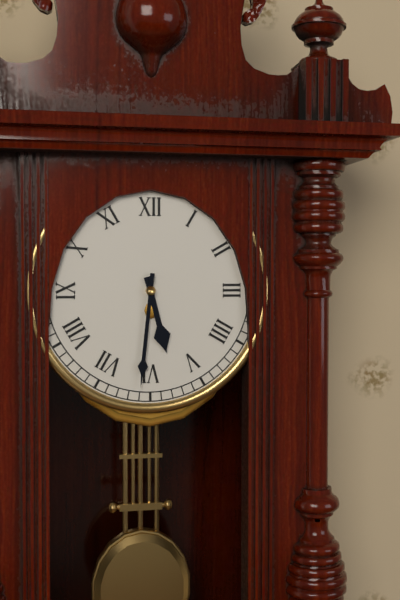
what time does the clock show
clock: 5:31
